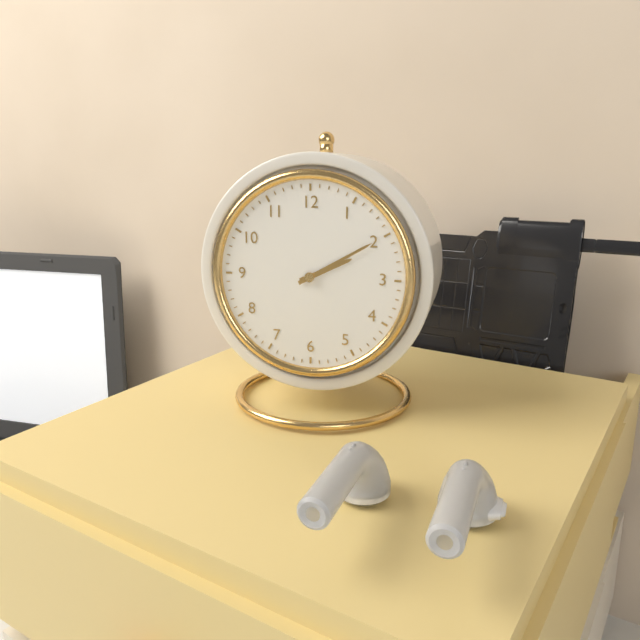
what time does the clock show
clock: 2:10
